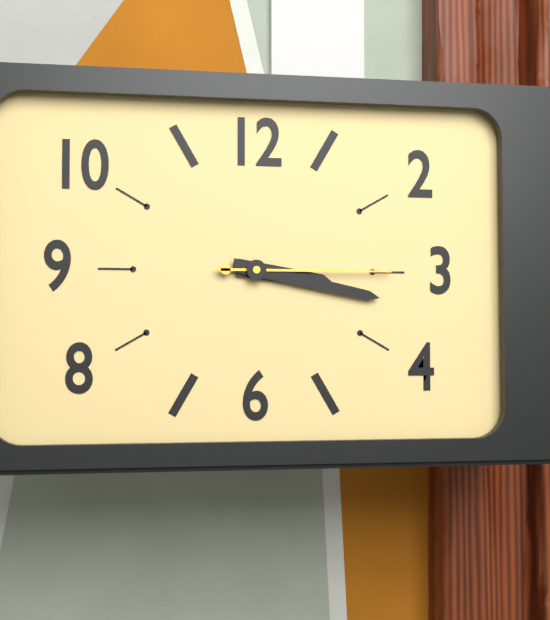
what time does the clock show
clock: 3:17:15
